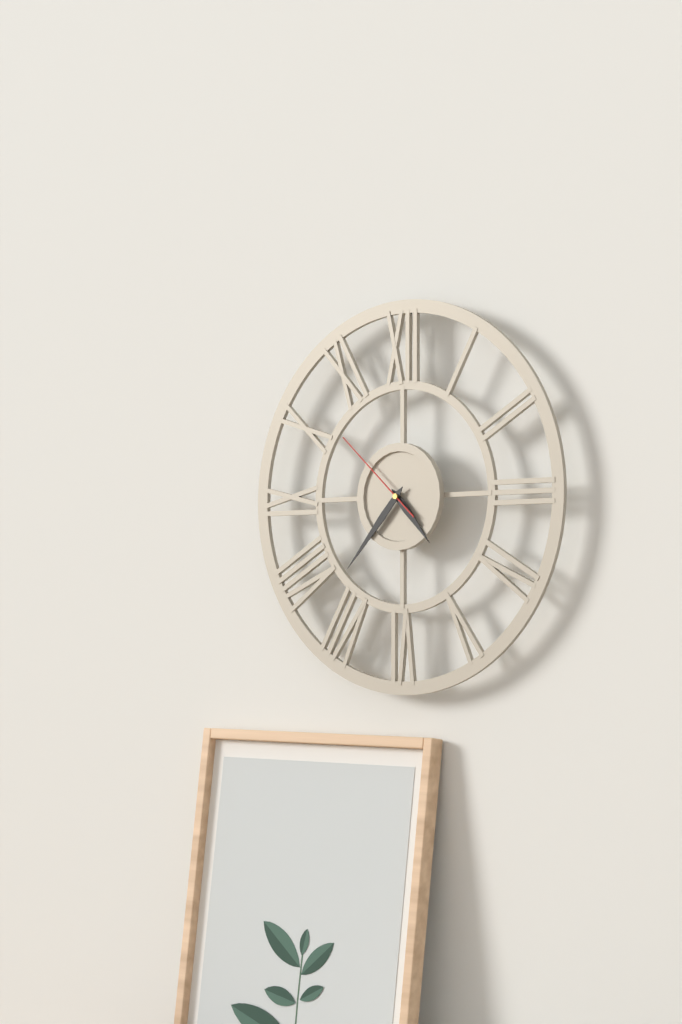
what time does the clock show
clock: 4:37:52
